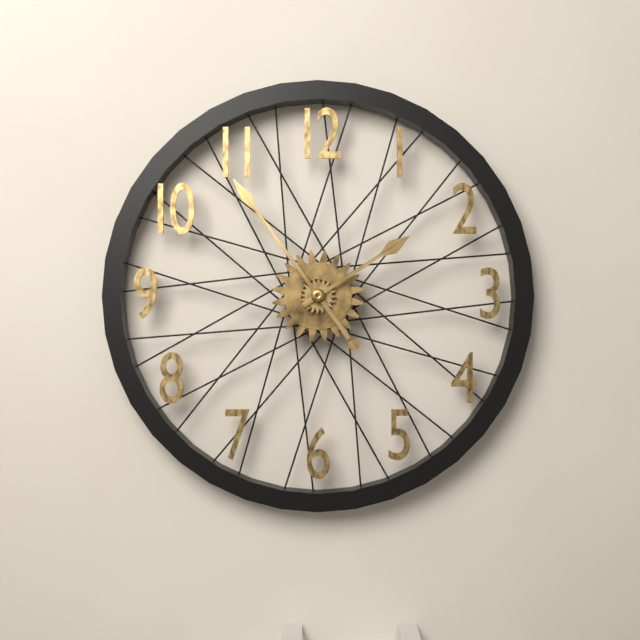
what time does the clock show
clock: 1:54
